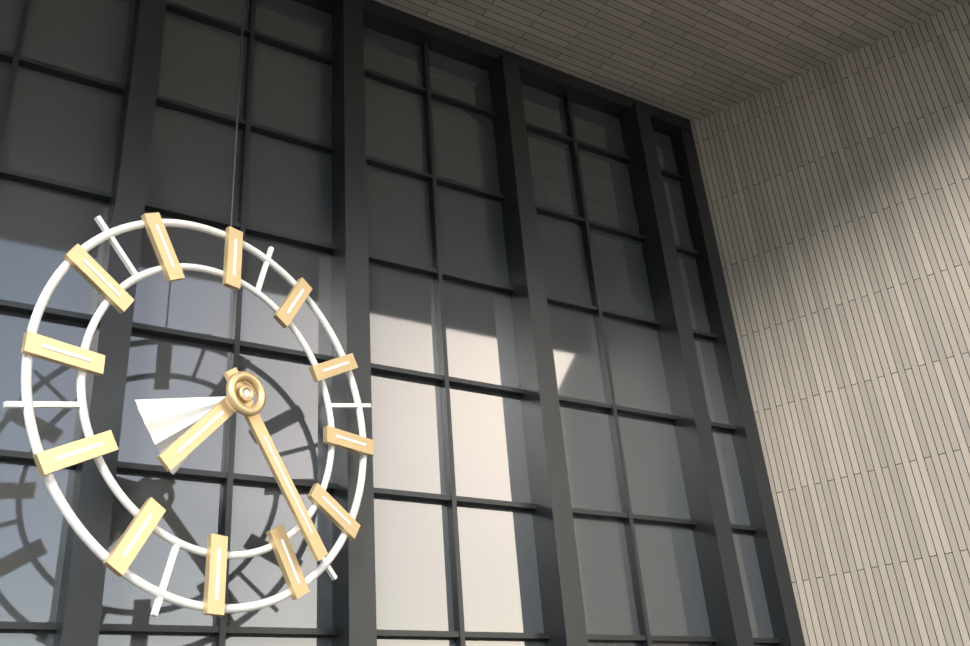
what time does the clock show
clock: 7:24
